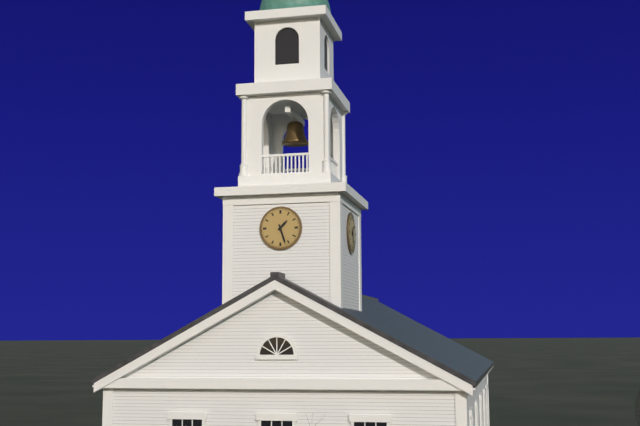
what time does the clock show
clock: 1:27
